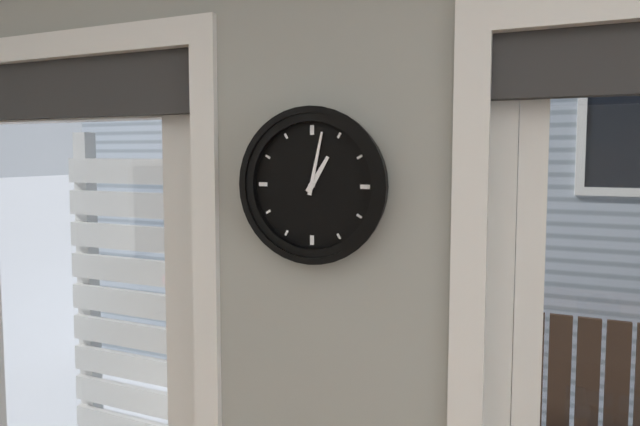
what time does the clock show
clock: 1:02
